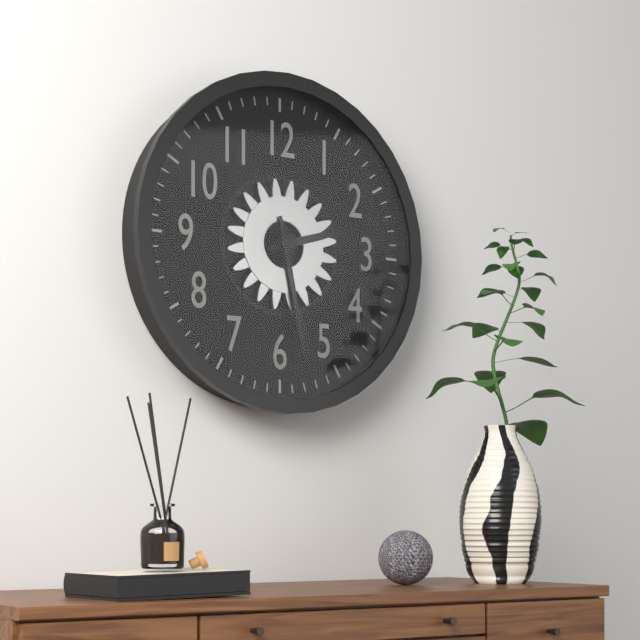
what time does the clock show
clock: 2:28
